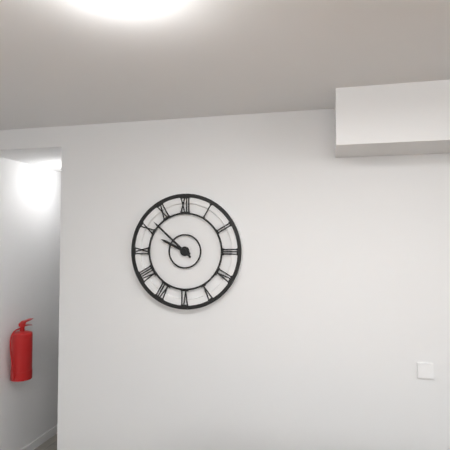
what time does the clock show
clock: 9:52
